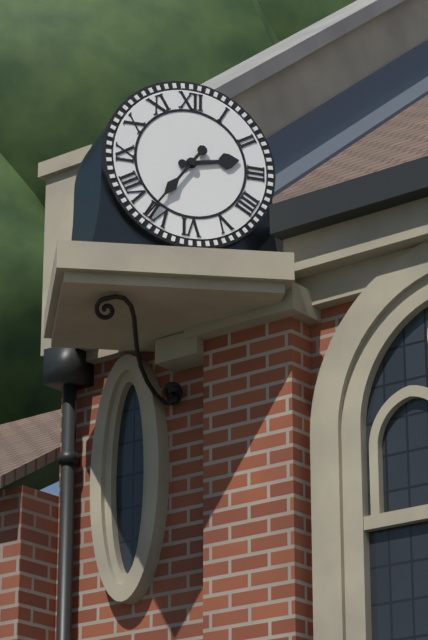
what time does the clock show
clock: 2:36
